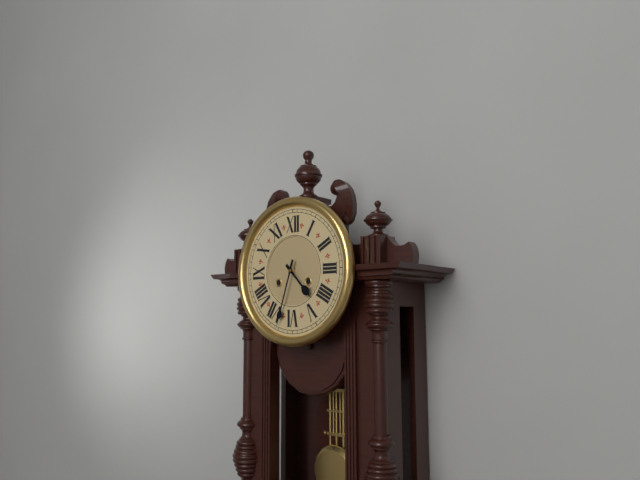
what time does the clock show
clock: 4:33
